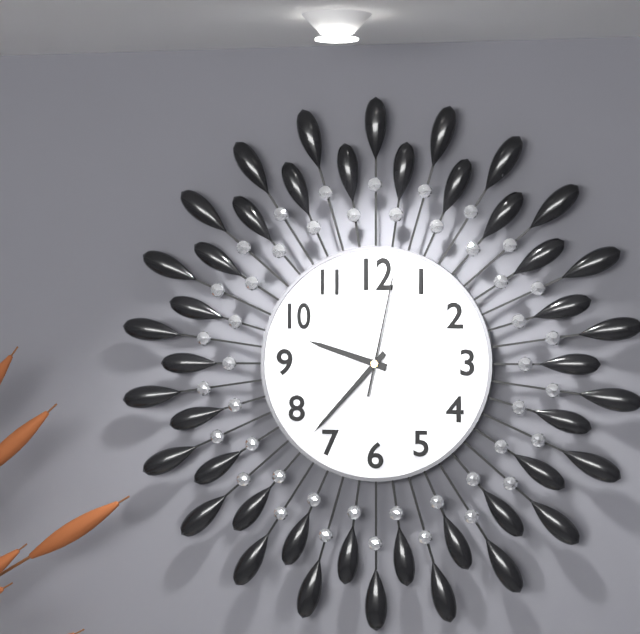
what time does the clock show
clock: 9:37:02
